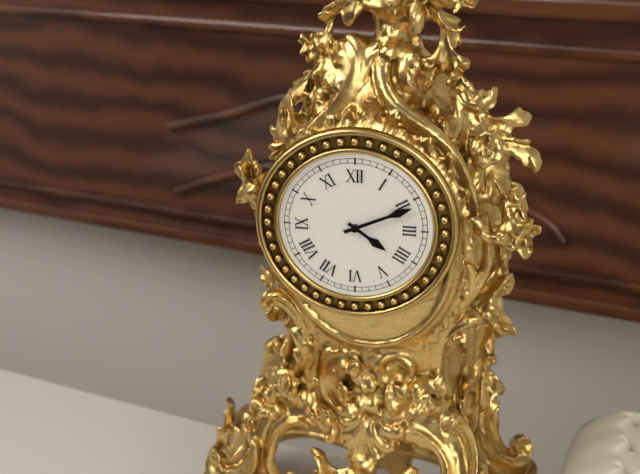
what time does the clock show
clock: 4:11
